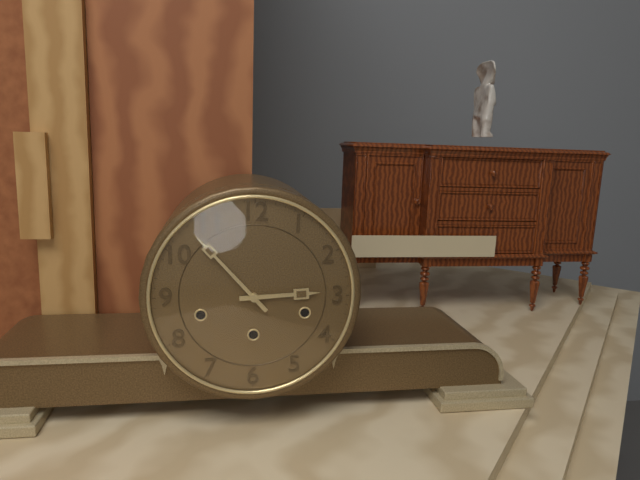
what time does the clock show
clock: 2:53
